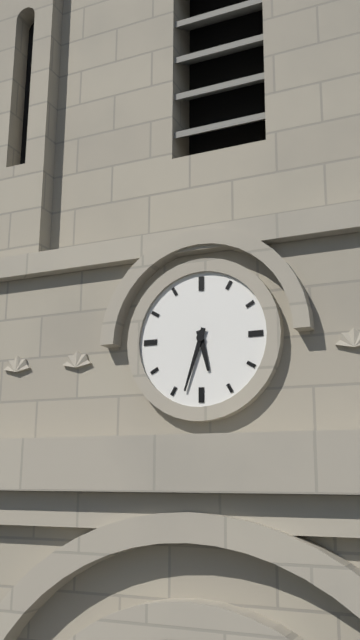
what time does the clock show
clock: 5:33
